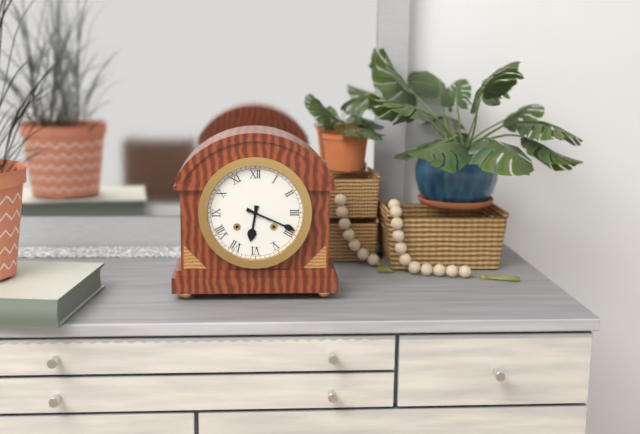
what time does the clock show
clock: 6:19
